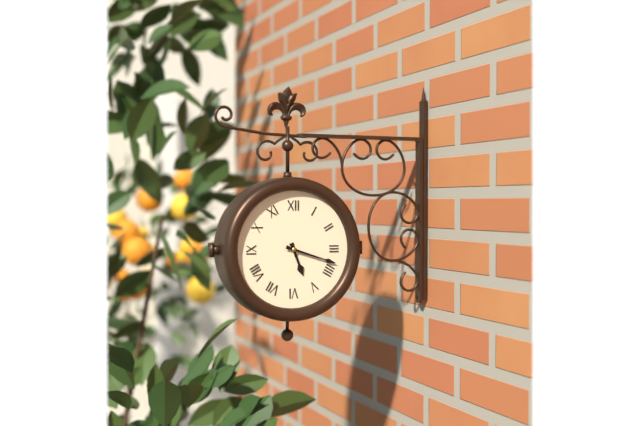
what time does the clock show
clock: 5:18
